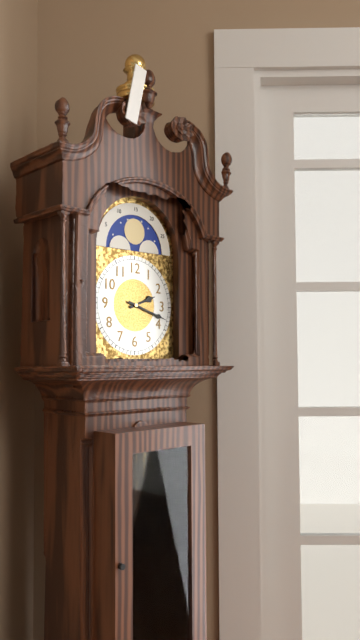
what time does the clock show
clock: 2:18
